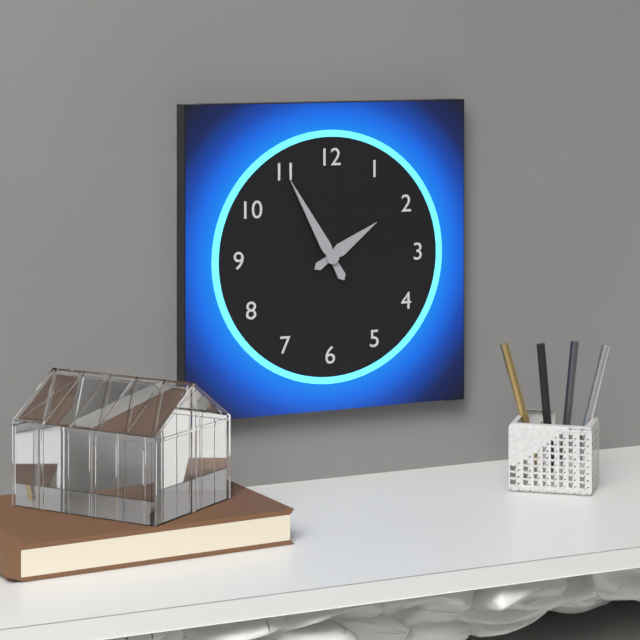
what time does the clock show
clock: 1:55
